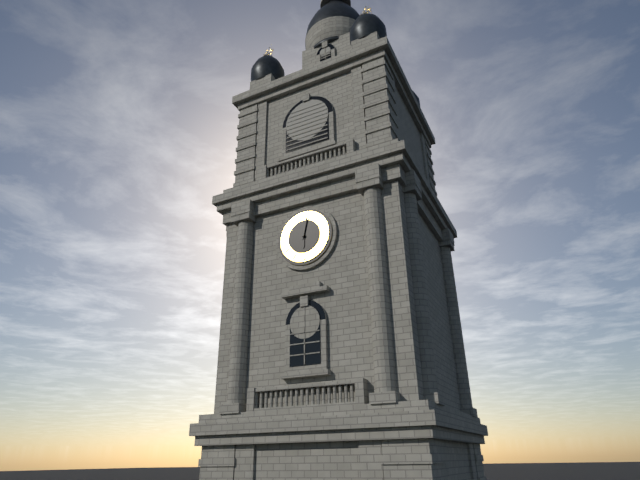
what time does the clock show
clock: 6:02
